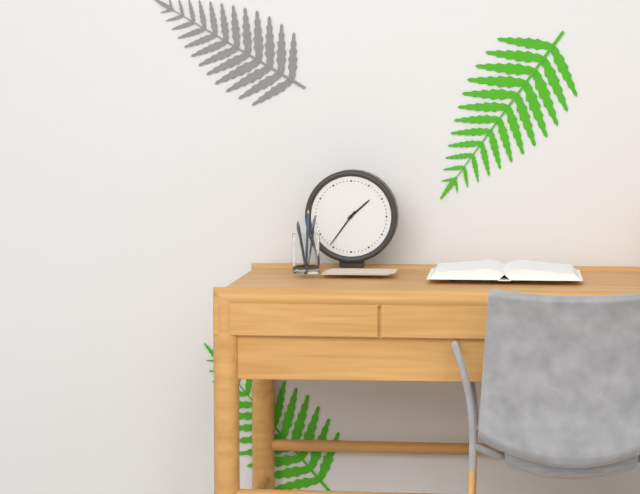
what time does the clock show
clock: 1:36
